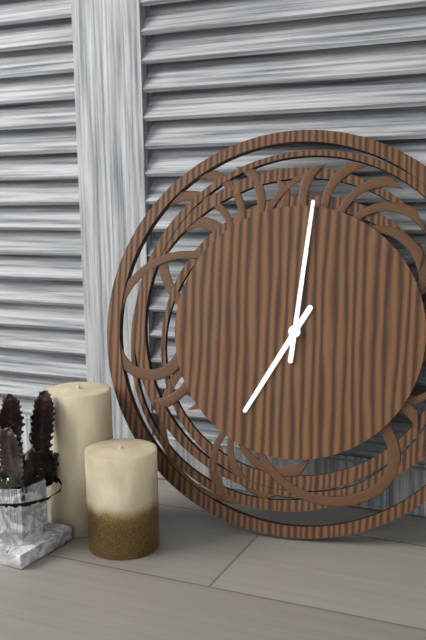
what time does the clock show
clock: 7:01
